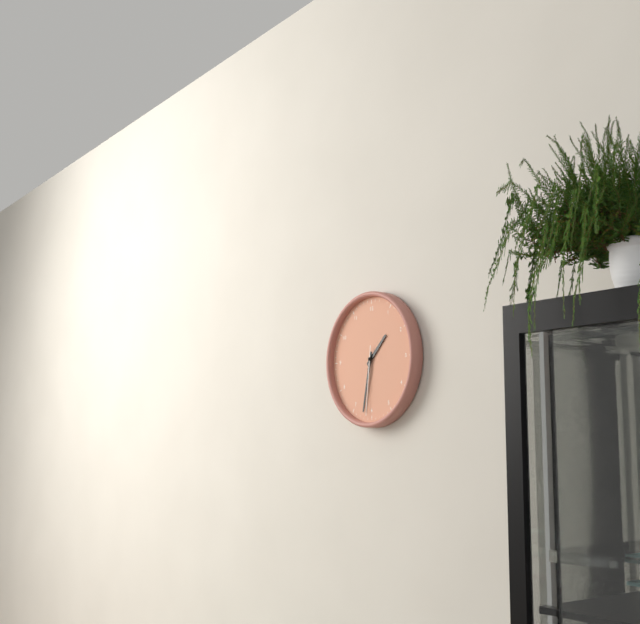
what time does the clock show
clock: 1:32:31
